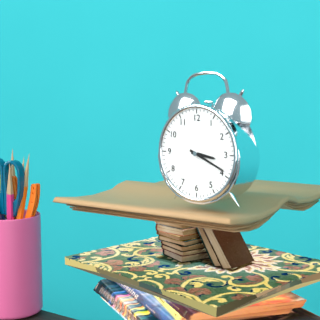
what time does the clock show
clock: 3:19
